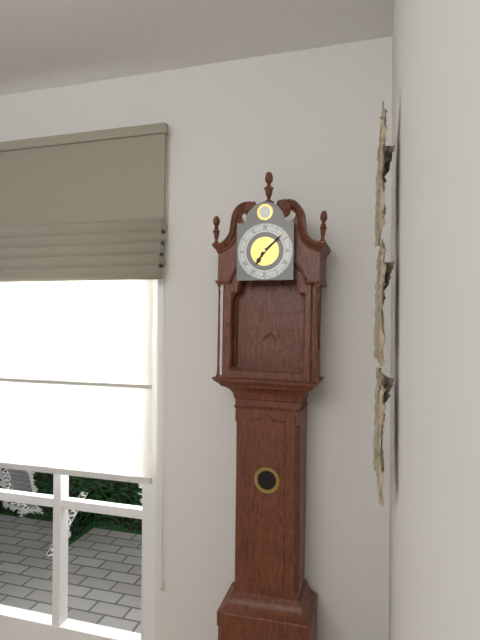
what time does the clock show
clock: 7:08
